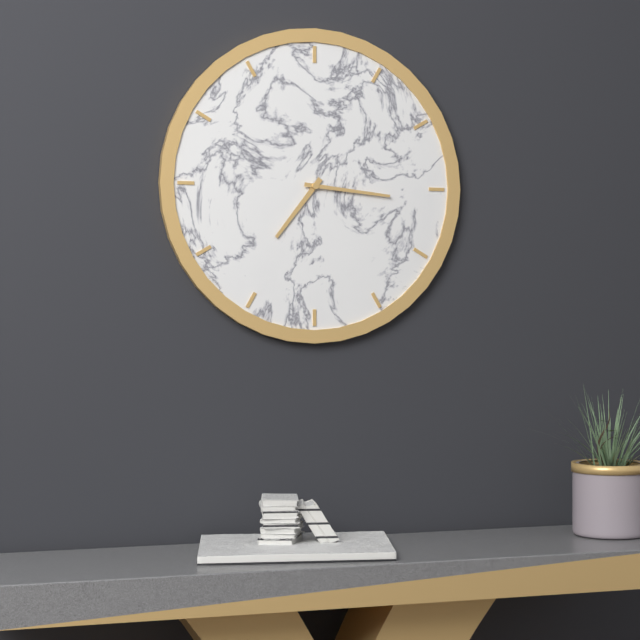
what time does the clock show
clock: 7:16
